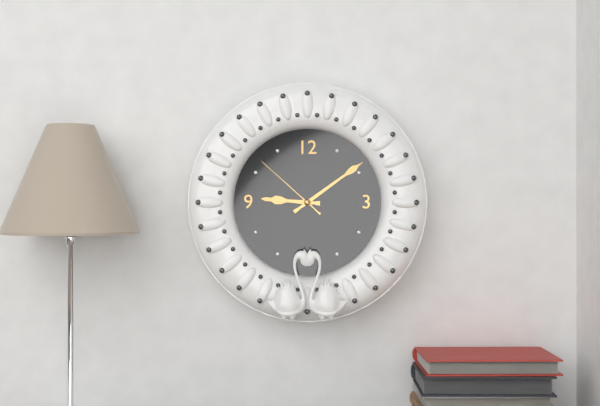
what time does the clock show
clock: 9:09:52
